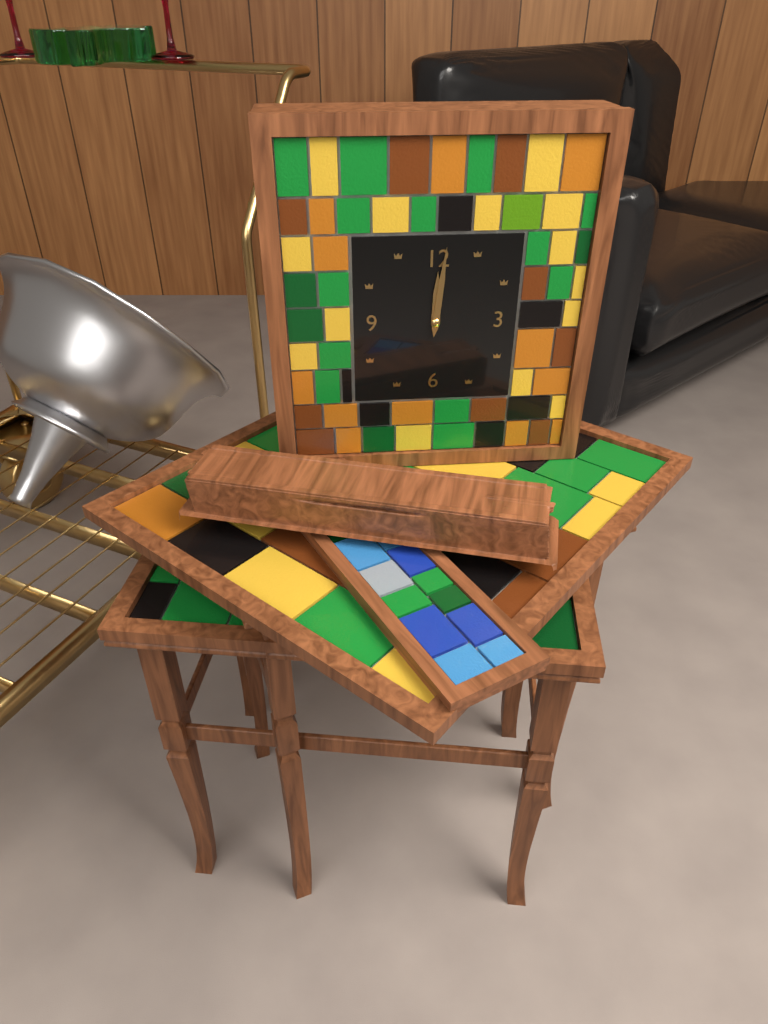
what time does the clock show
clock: 12:01
